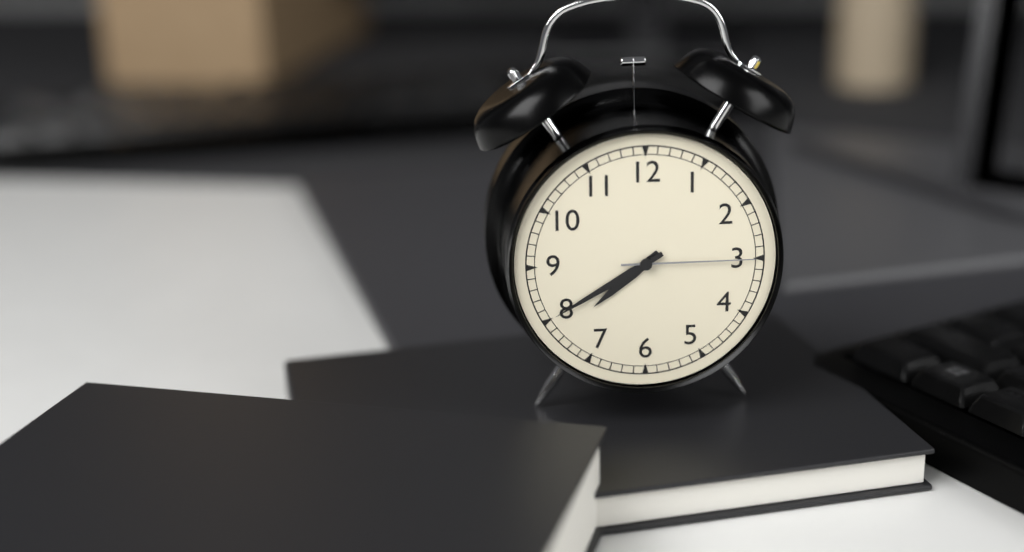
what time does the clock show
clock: 7:40:15
